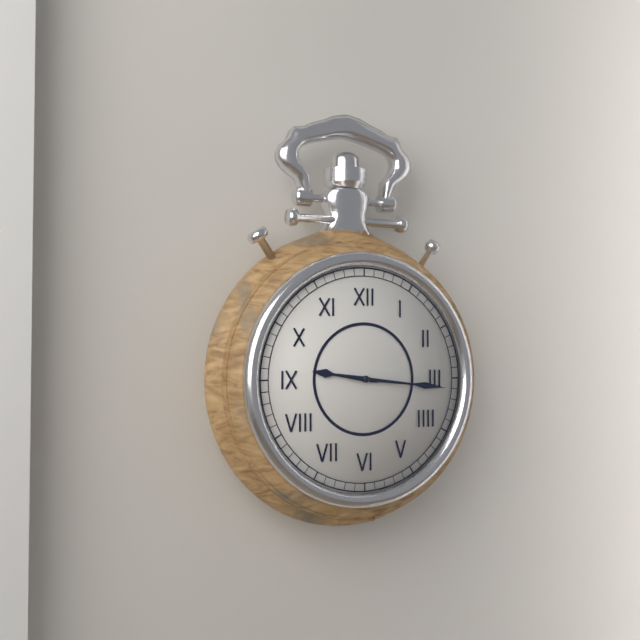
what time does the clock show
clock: 9:16
